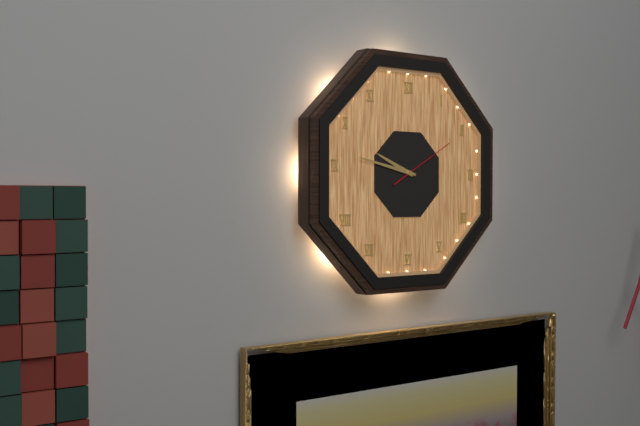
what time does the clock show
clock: 9:47:10
